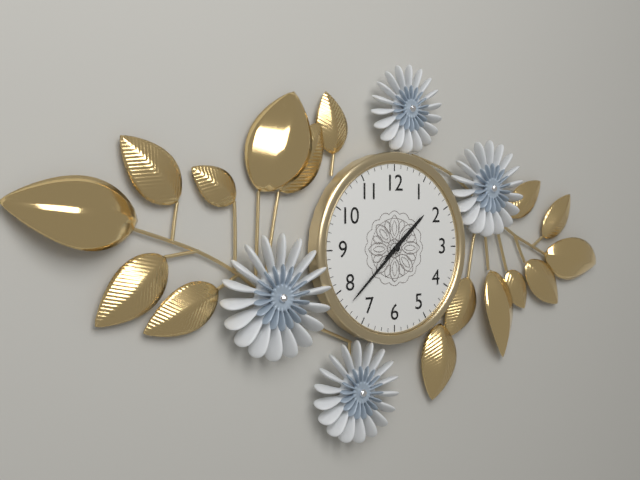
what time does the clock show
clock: 1:38
